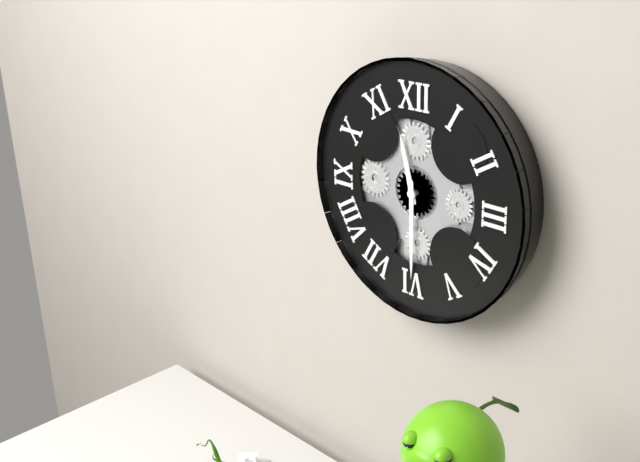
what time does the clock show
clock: 11:30
